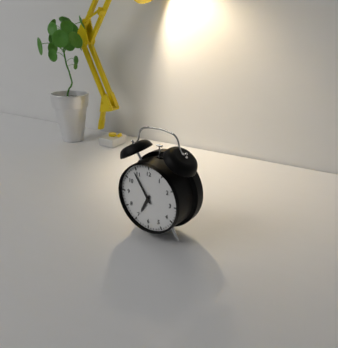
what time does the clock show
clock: 6:54
